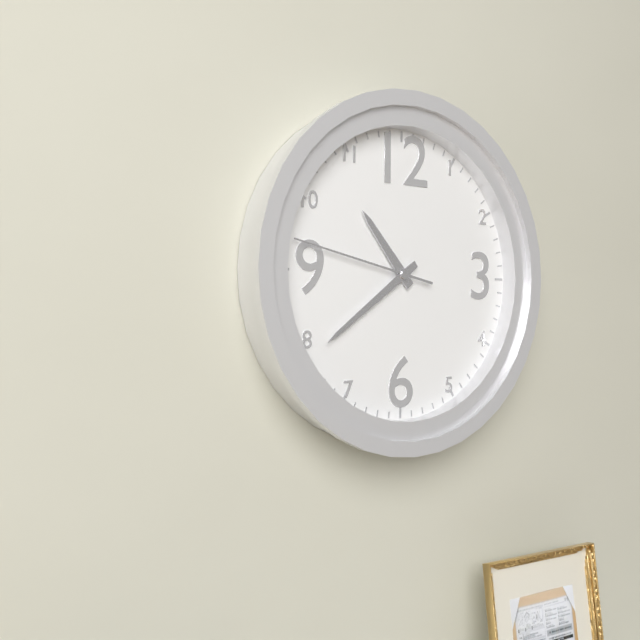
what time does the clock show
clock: 10:39:47
